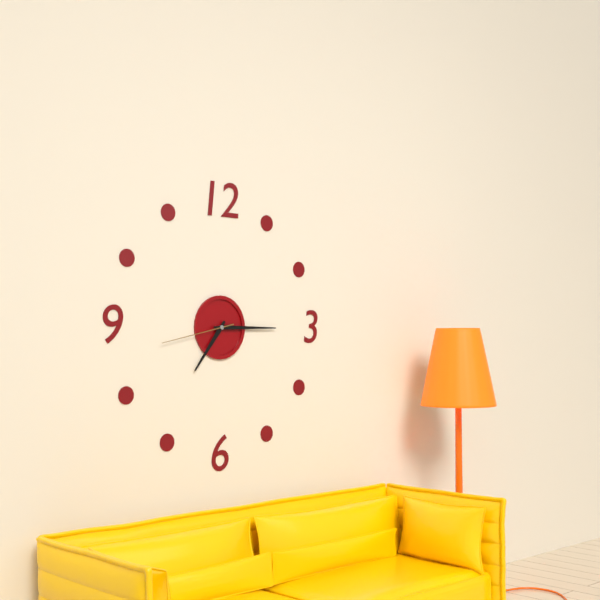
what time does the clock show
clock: 7:15:43
